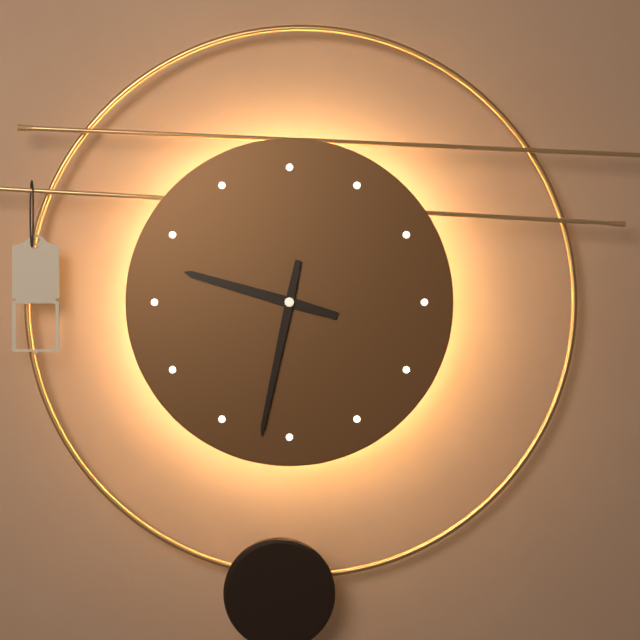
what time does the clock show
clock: 9:32
